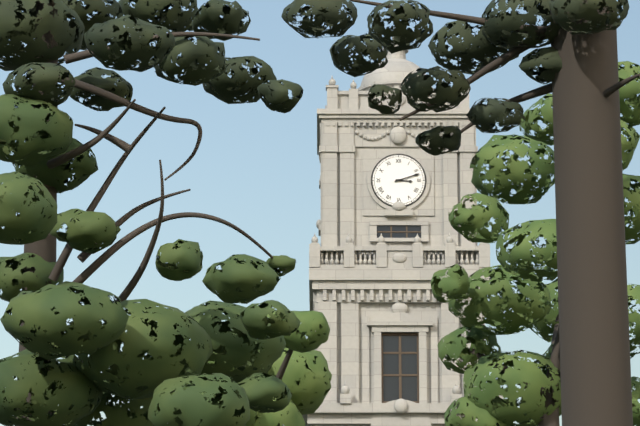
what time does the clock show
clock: 3:12
